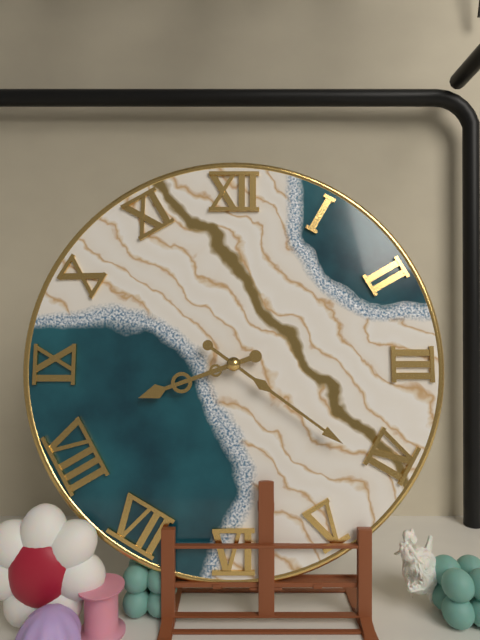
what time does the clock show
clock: 8:21
